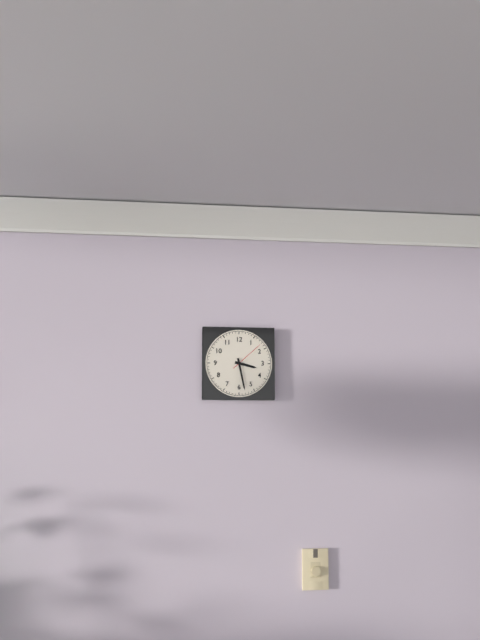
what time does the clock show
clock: 3:28
